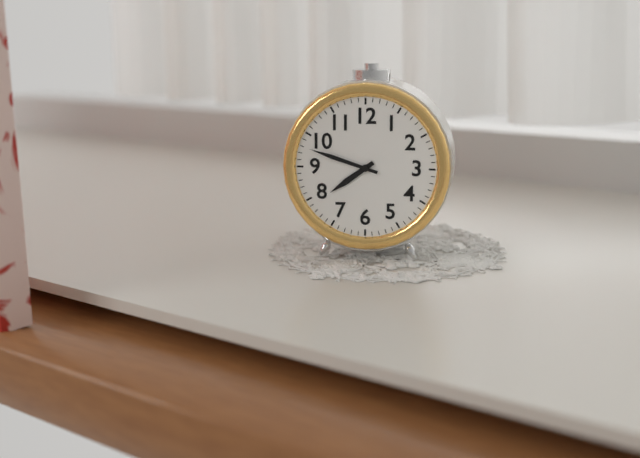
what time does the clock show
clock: 7:48
